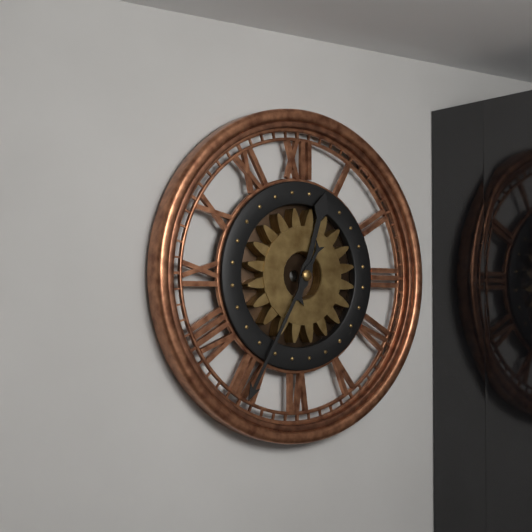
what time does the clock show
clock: 12:35
